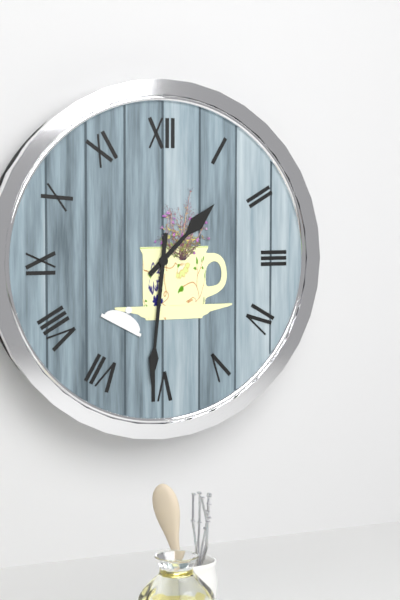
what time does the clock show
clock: 1:31
